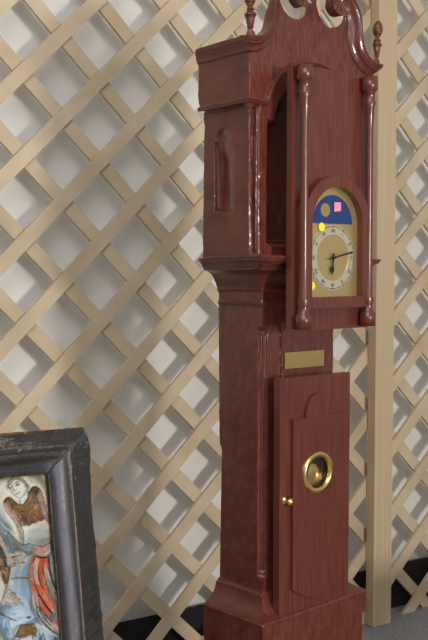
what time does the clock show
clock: 6:13
